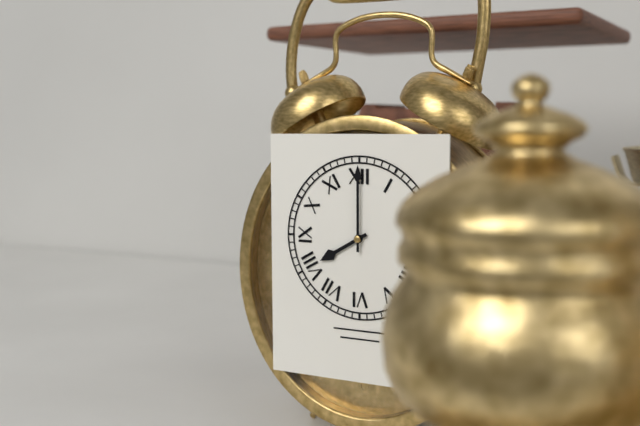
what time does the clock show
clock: 8:00
